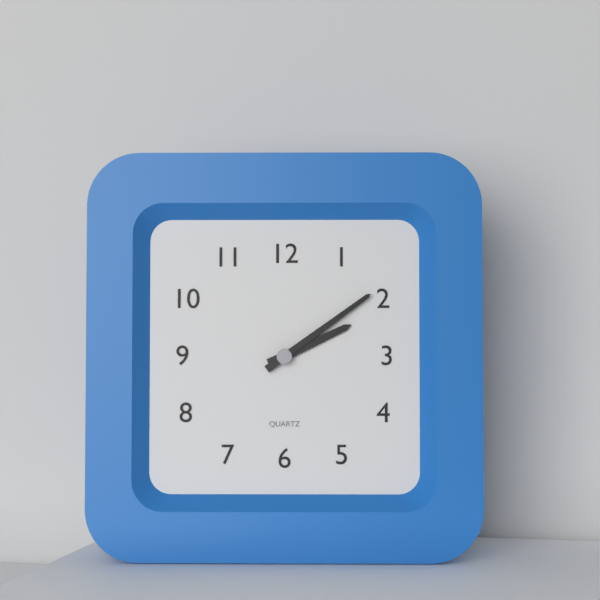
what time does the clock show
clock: 2:09
